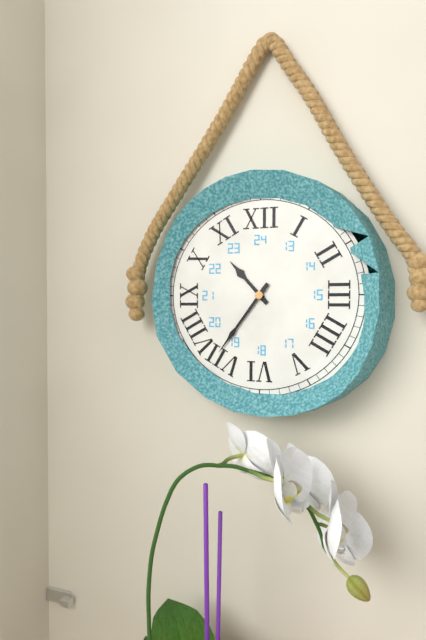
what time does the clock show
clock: 10:36
